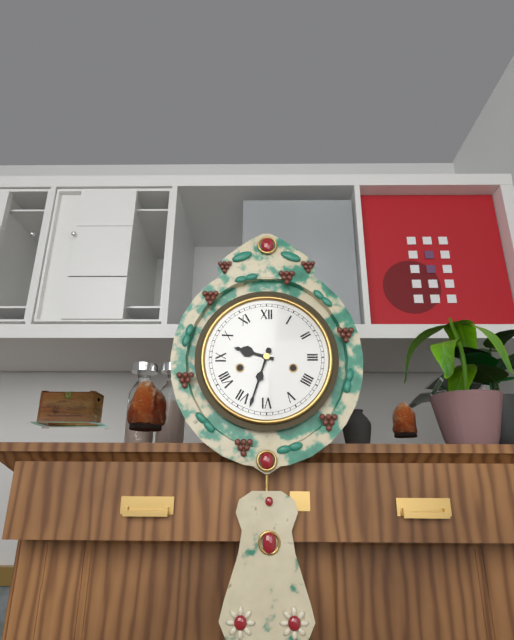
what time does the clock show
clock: 9:33
